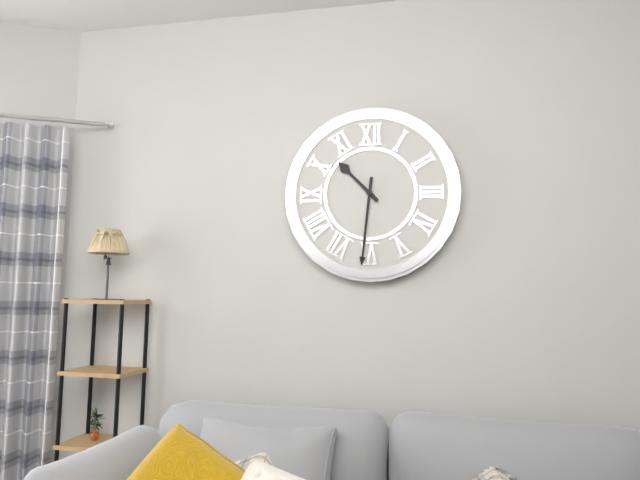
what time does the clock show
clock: 10:31
